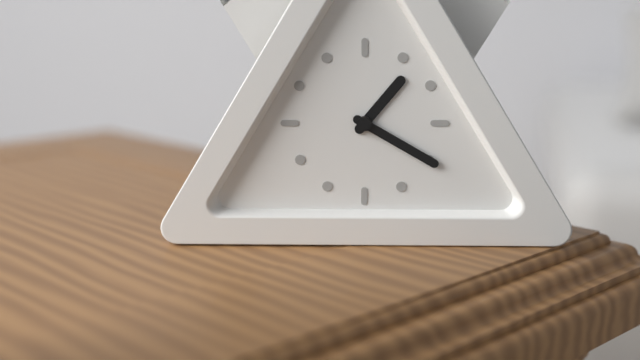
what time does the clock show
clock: 1:20
